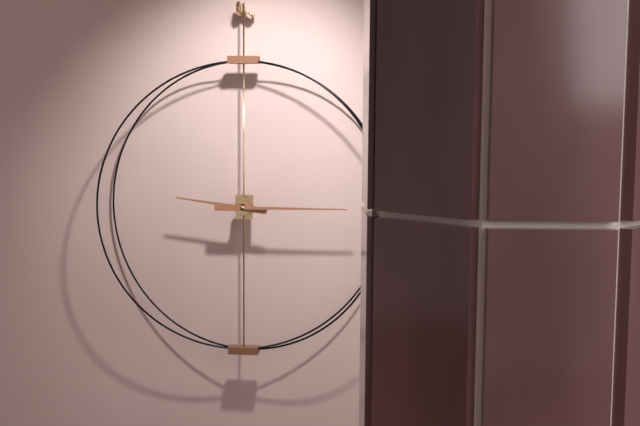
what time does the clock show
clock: 9:15
